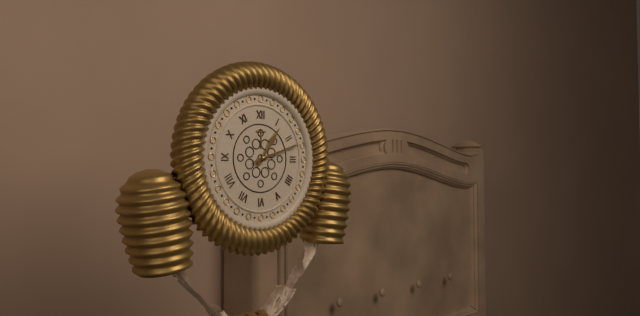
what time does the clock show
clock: 1:12
